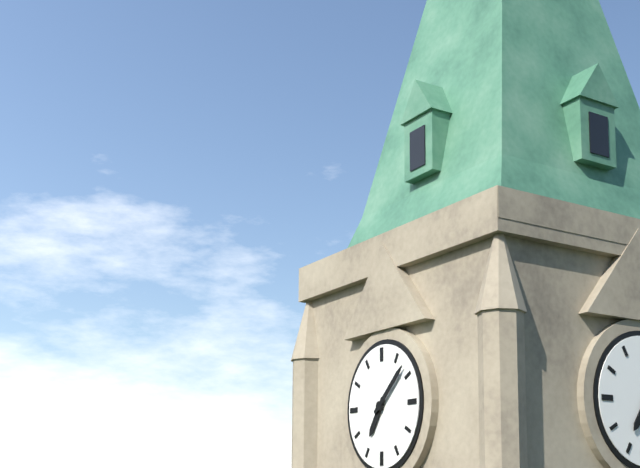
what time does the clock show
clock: 7:08
